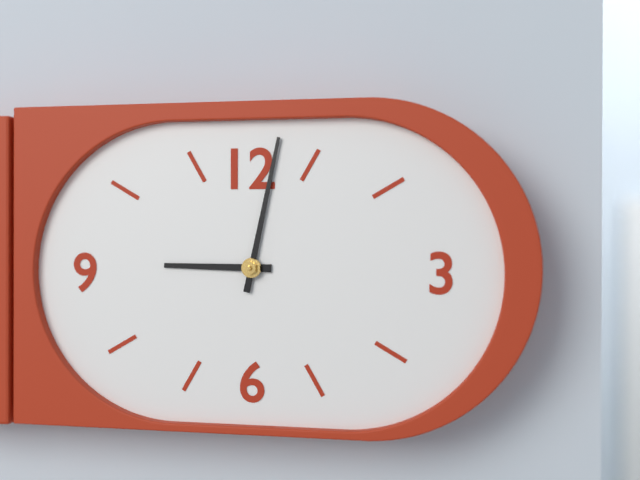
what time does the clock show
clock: 9:02
